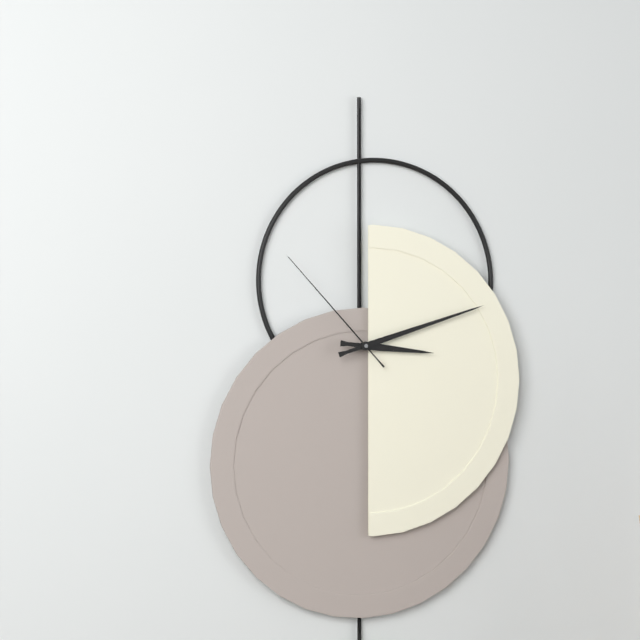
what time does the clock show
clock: 3:12:53
